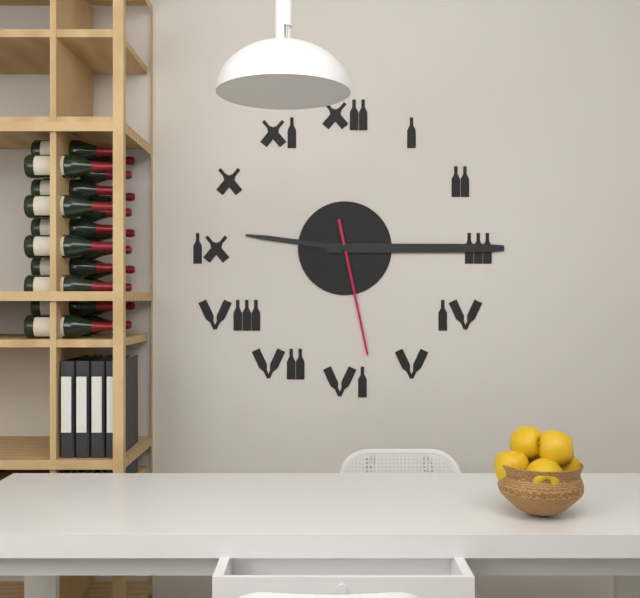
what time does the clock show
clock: 9:15:28
